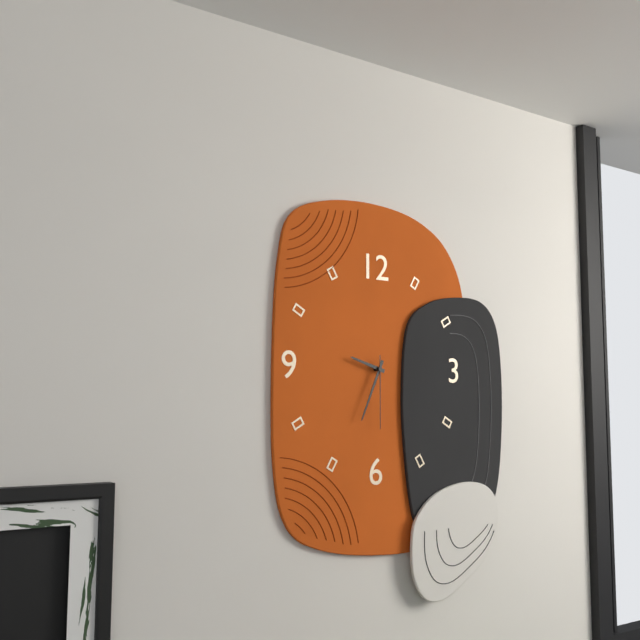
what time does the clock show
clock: 9:34:30
